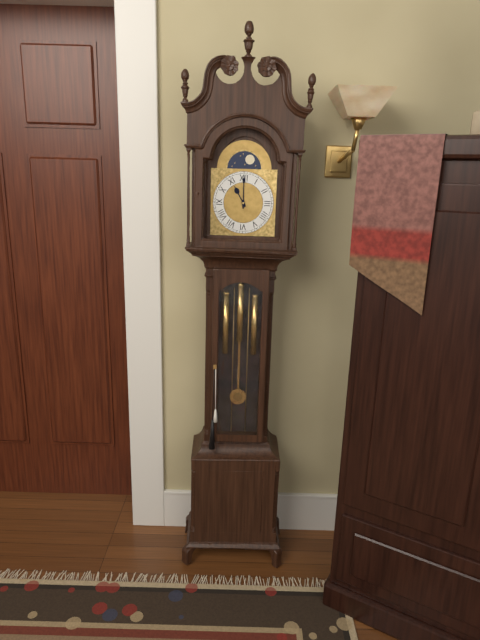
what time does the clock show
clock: 11:00
